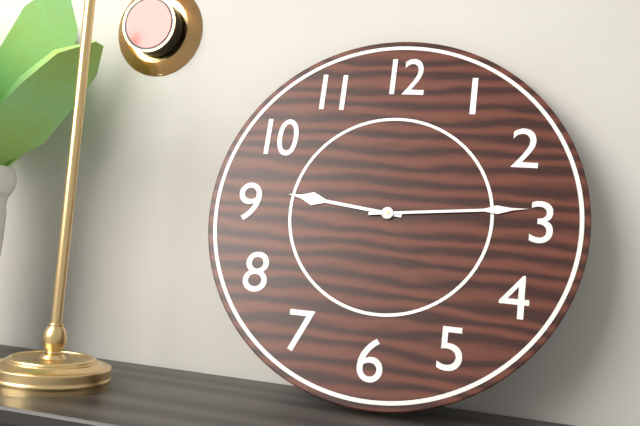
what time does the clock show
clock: 9:14
